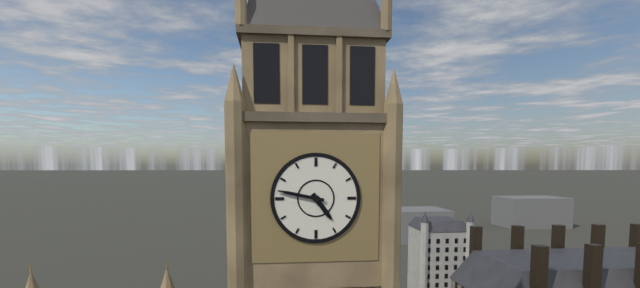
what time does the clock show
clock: 4:47
